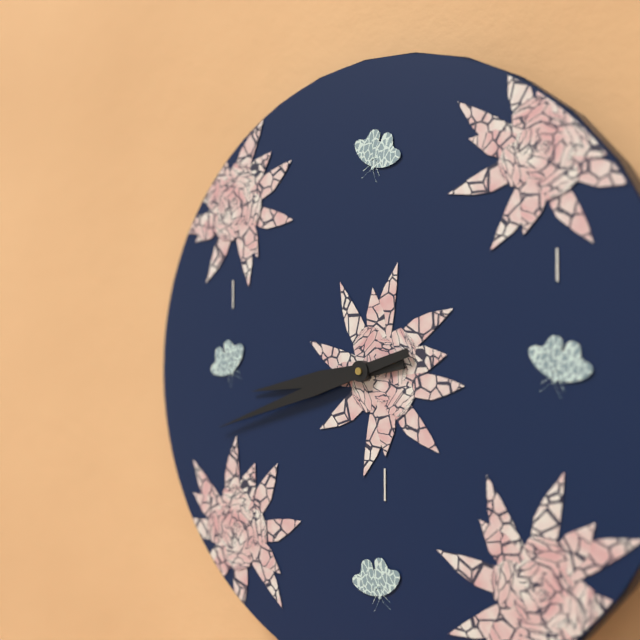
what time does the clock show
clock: 8:42
